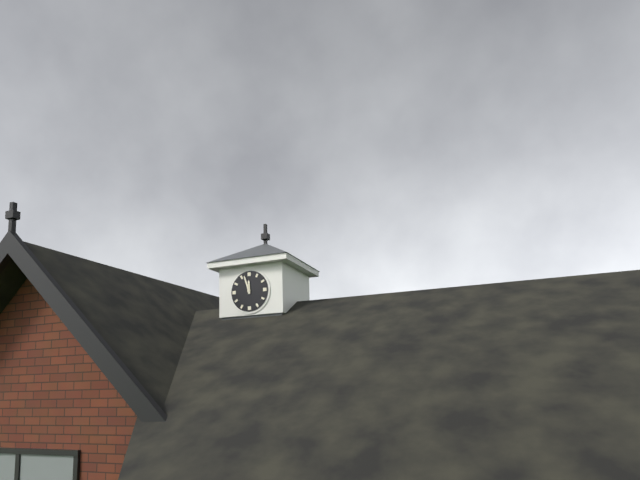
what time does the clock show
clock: 11:57
